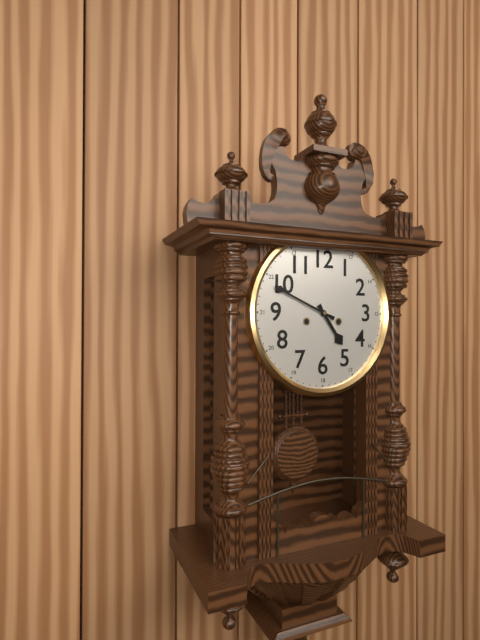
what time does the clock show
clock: 4:49
